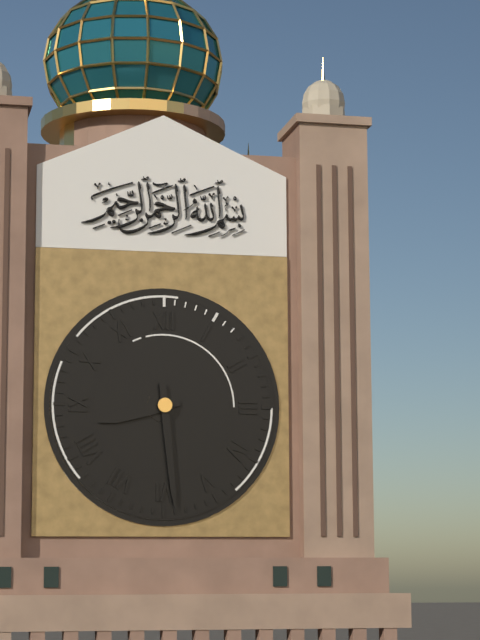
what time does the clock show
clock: 8:29
